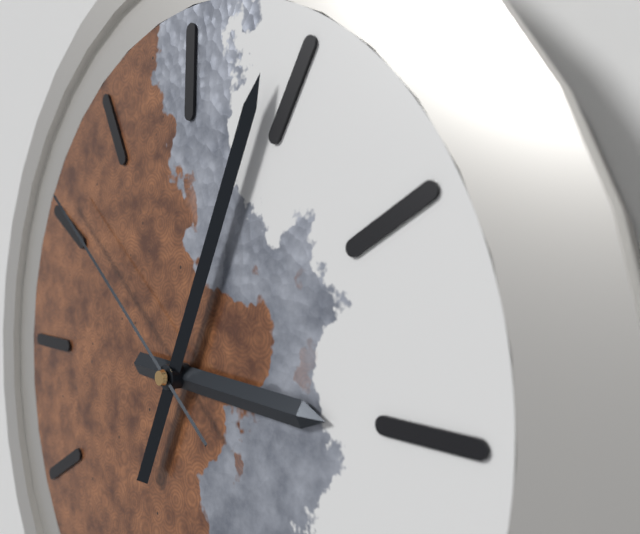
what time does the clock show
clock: 3:04:51
